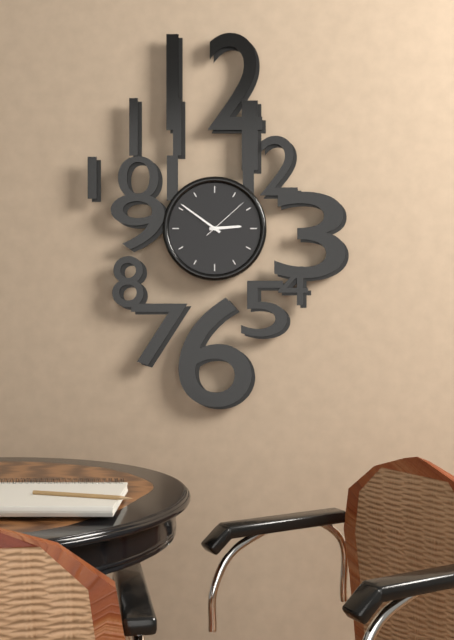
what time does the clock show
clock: 2:51:08
